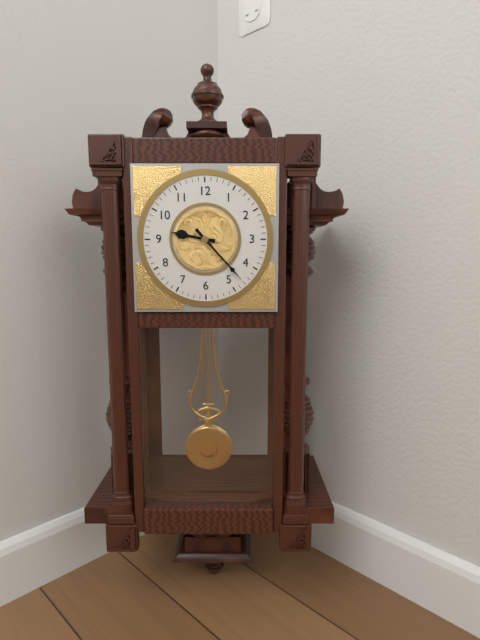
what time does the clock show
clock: 9:23
